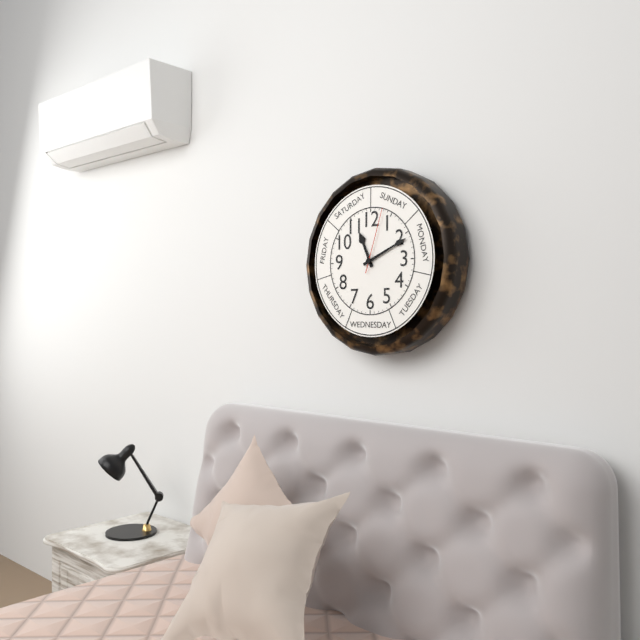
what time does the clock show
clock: 11:11:03
